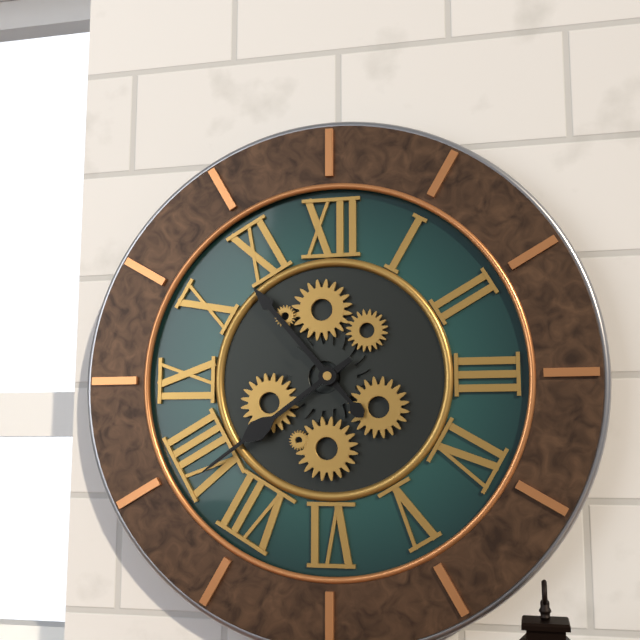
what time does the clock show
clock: 10:39
